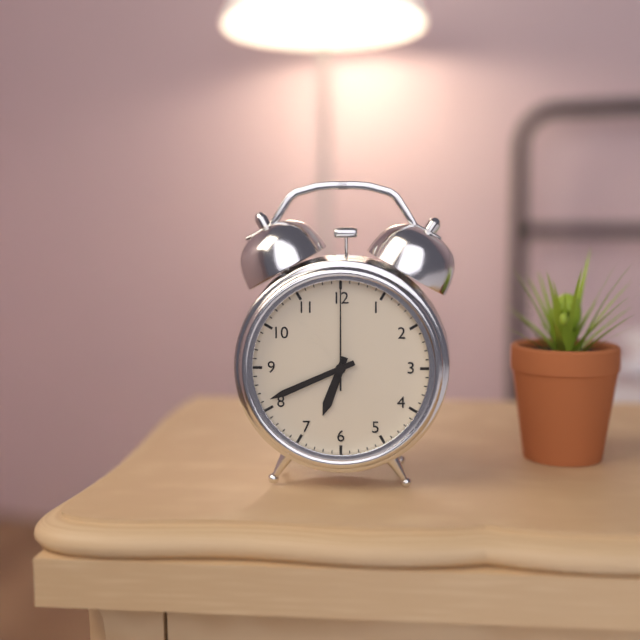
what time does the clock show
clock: 6:41:00
